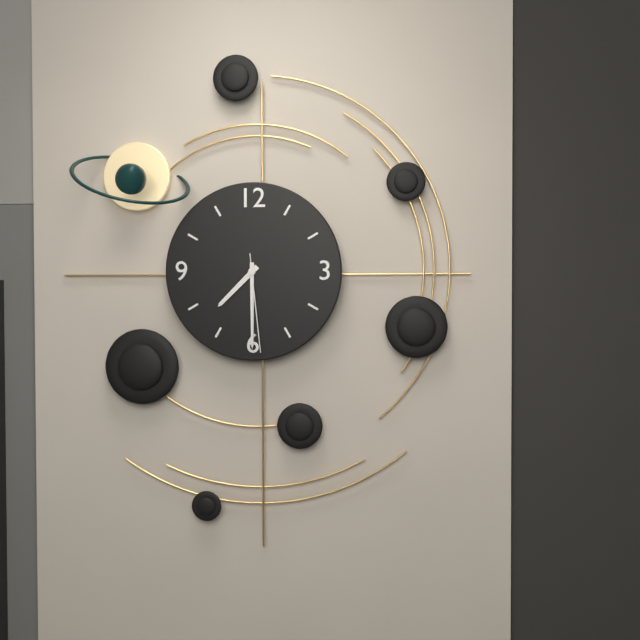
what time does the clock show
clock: 7:30:29
